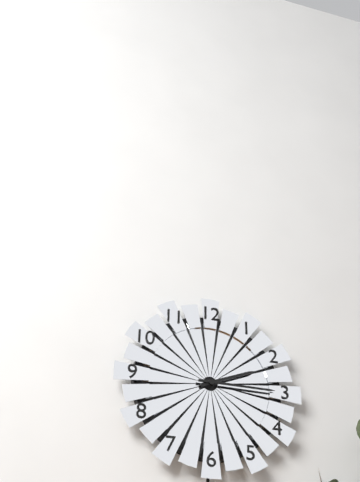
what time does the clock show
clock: 2:15
